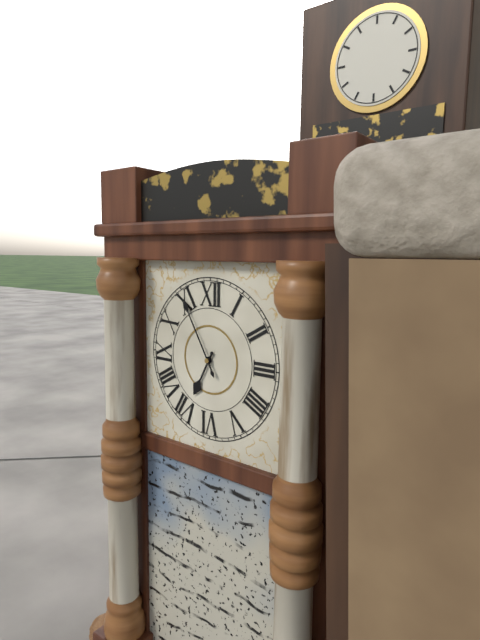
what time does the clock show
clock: 6:55
